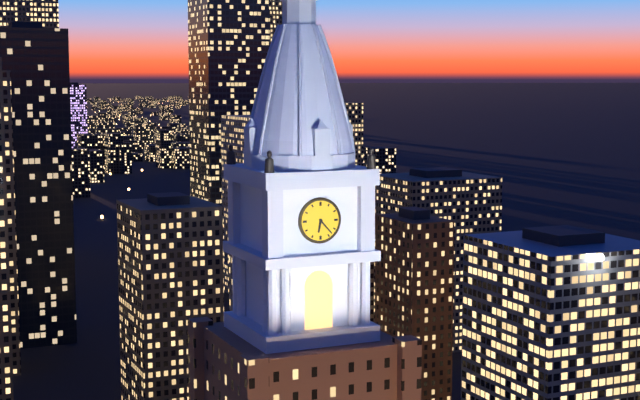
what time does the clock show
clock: 6:23
